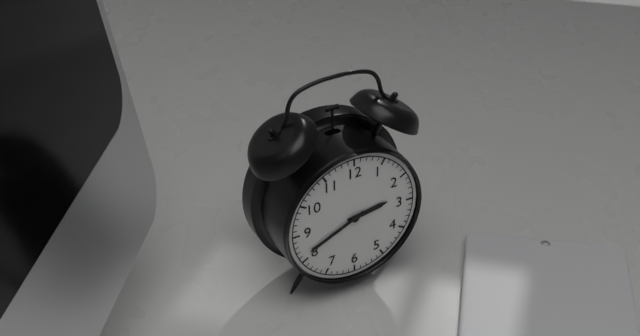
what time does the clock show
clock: 2:41
